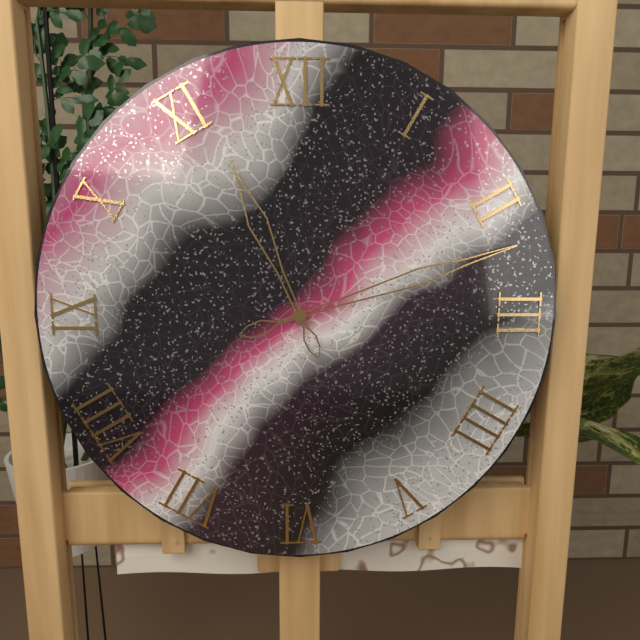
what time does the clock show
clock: 11:12
